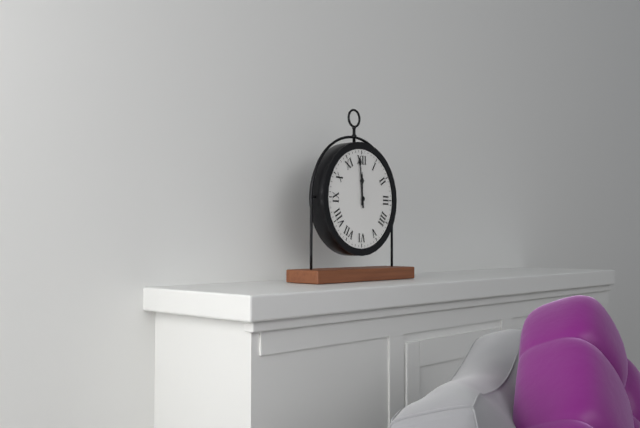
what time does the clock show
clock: 11:59
